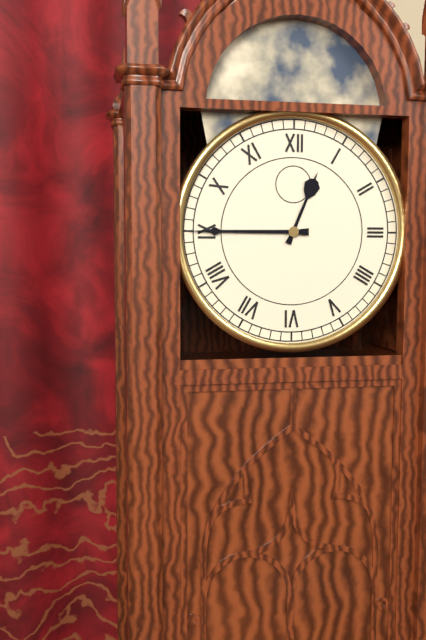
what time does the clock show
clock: 12:45
